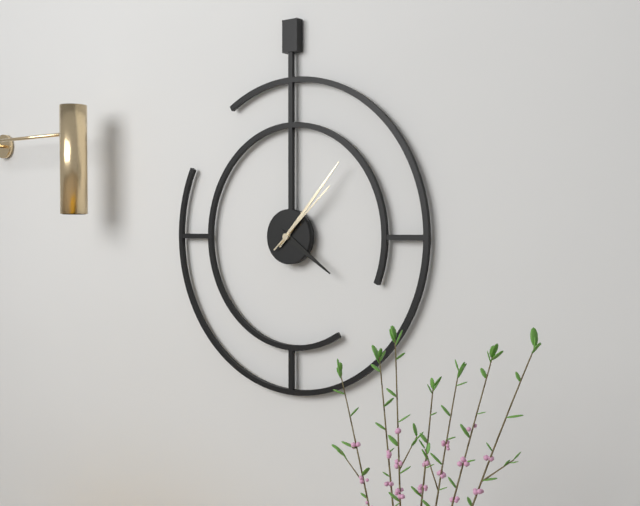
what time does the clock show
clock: 4:07:08
